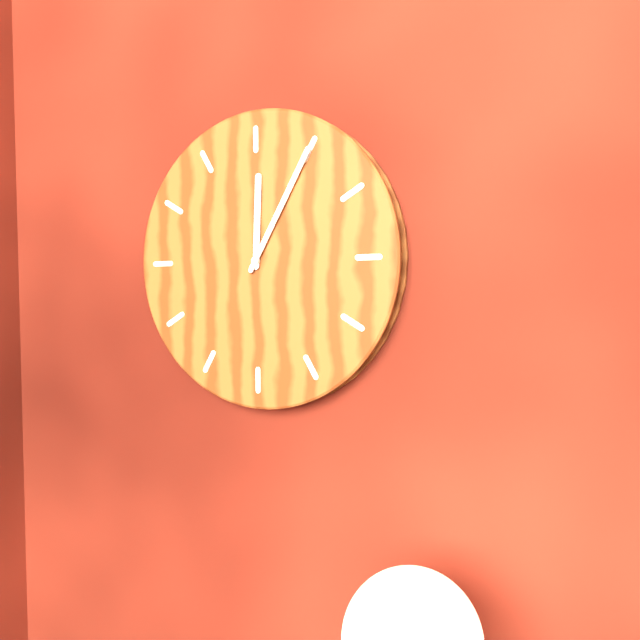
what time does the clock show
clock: 12:05
